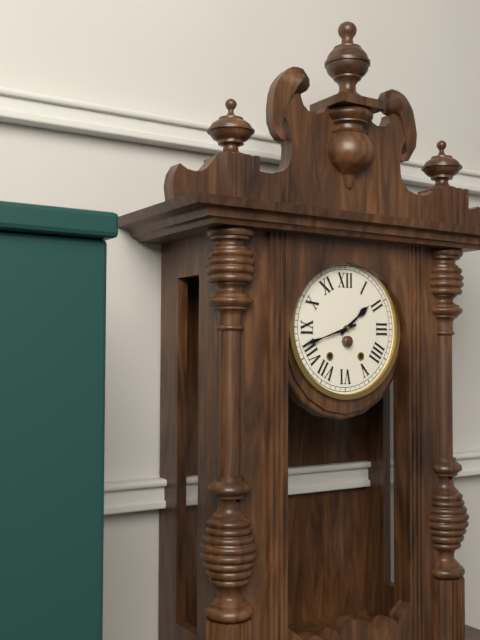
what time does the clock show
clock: 1:42
